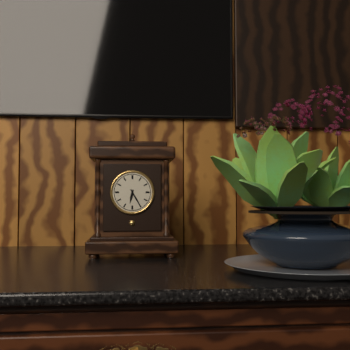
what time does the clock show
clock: 6:25
